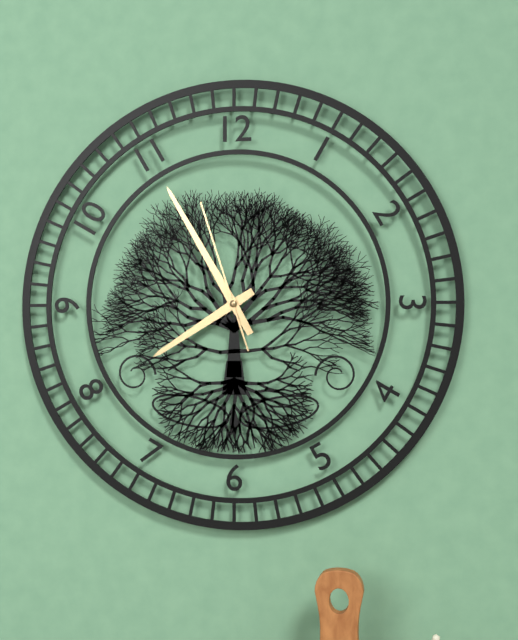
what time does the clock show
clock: 7:55:57
